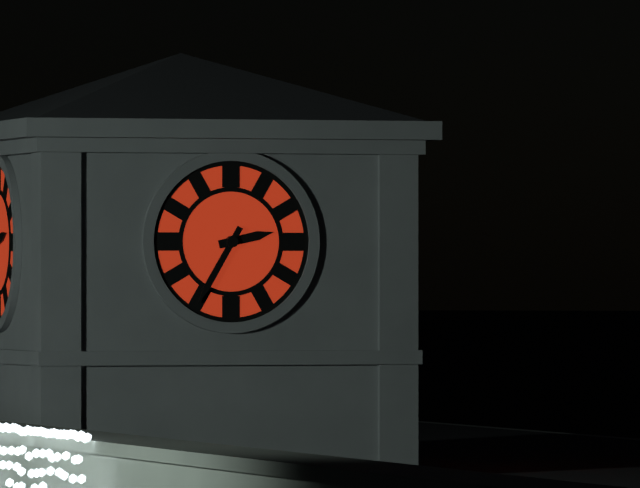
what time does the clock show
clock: 2:35
